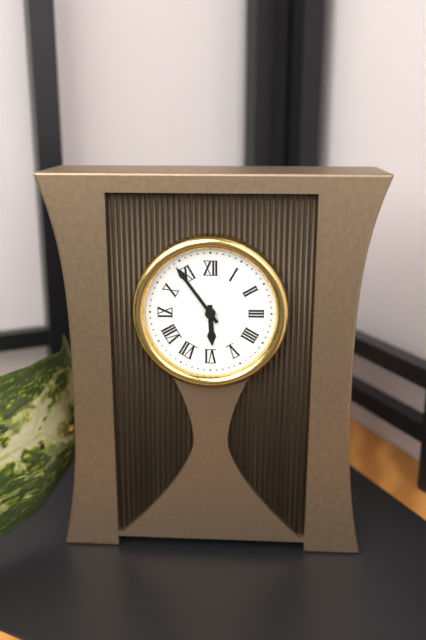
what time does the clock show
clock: 5:54
